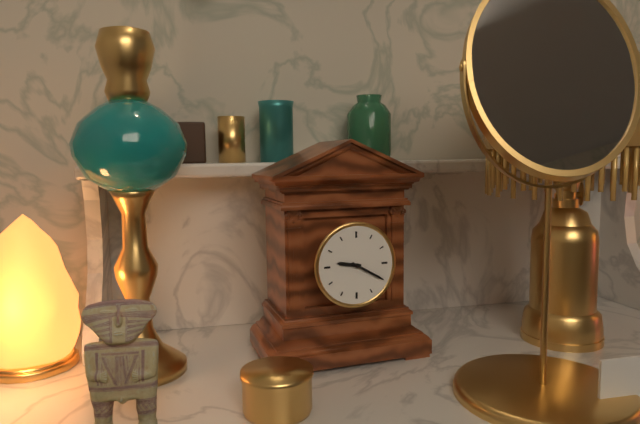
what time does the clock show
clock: 9:20
